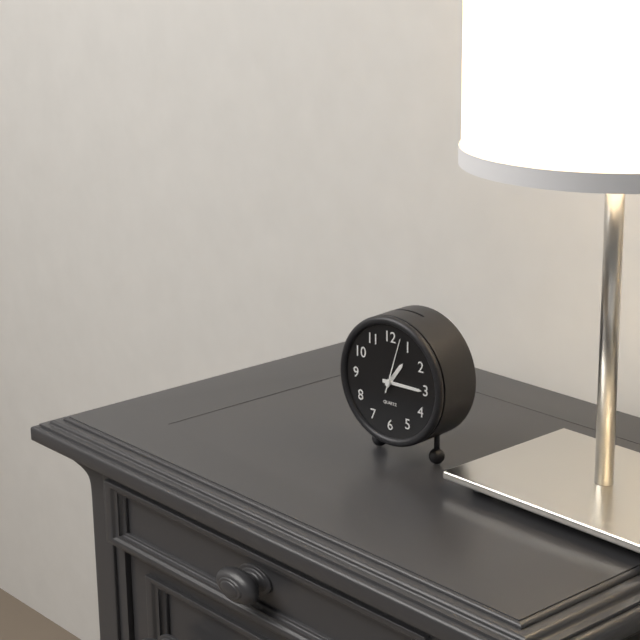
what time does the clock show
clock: 1:15:03
